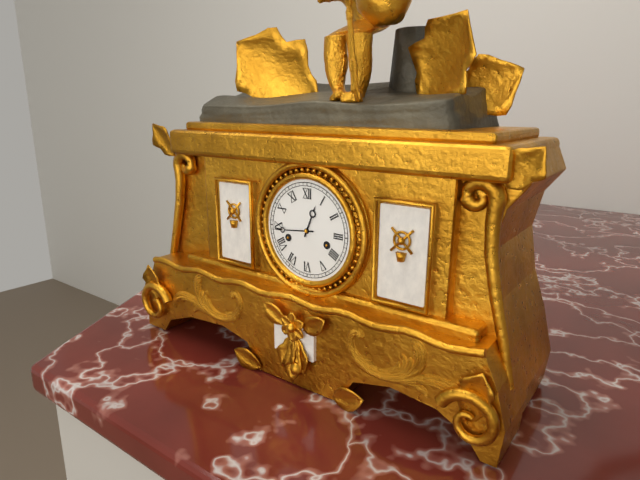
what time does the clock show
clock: 12:44
